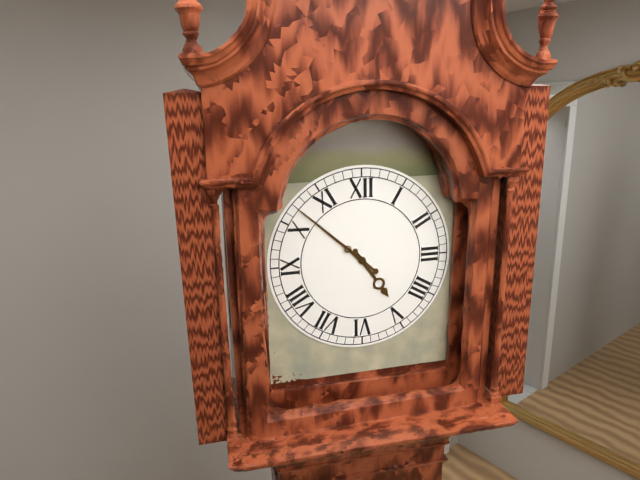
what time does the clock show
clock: 4:52
